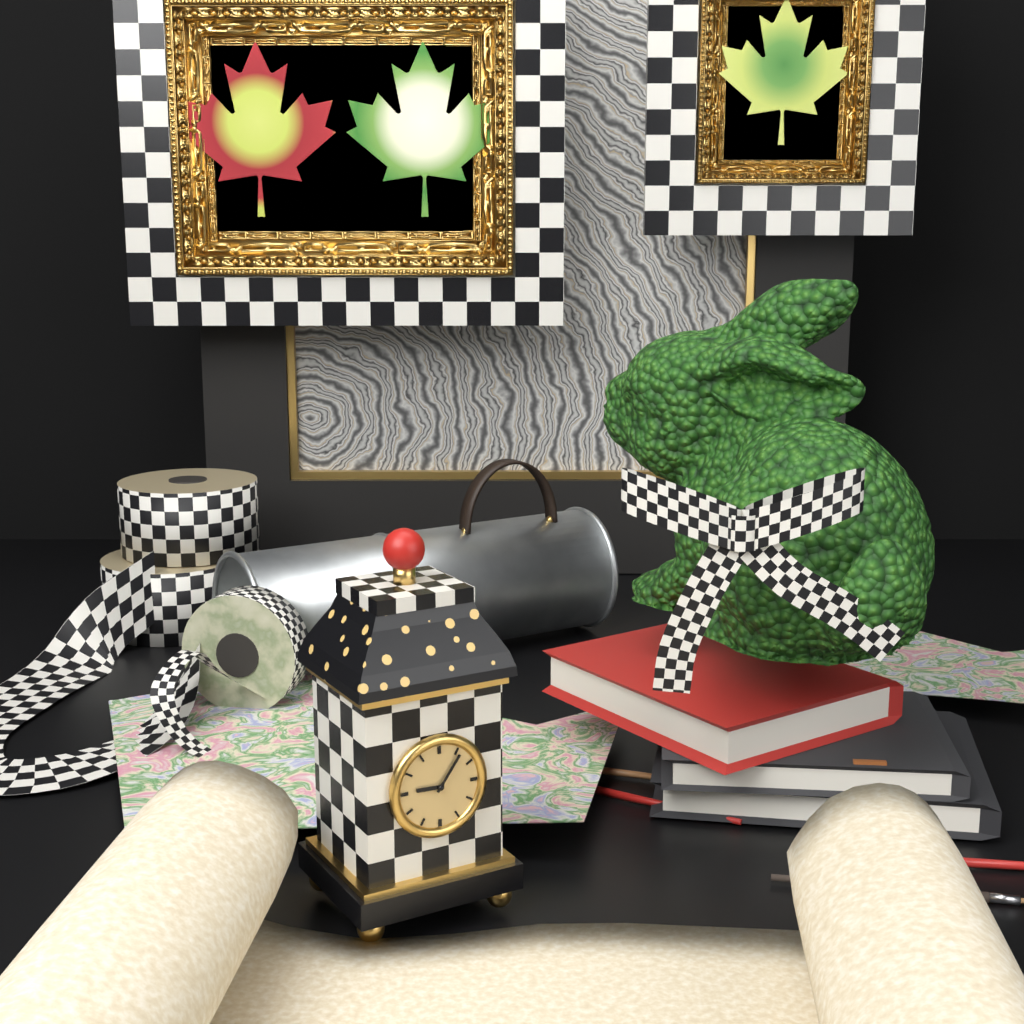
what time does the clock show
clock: 9:06
